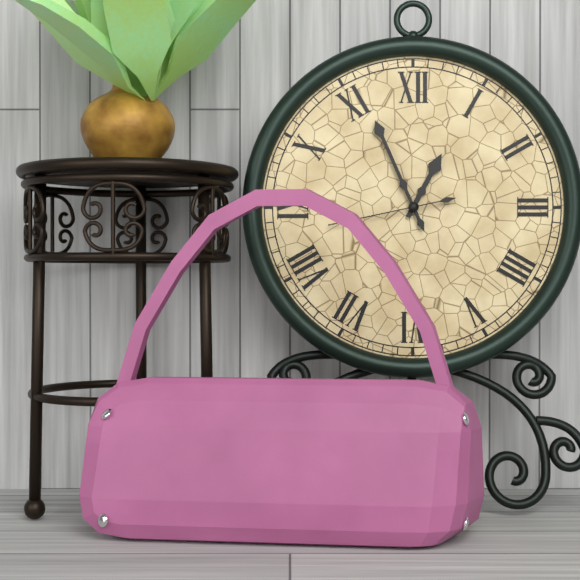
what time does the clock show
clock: 12:56:43
